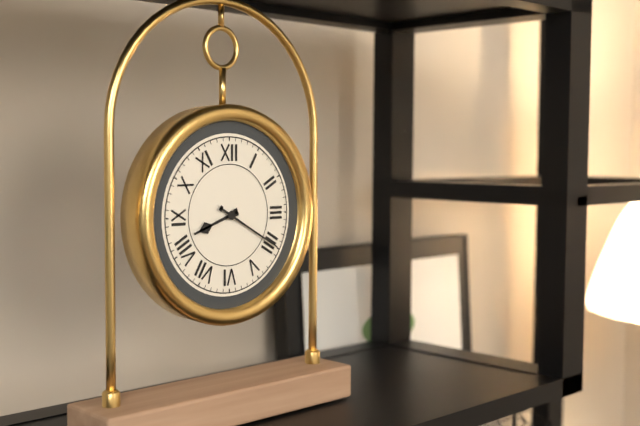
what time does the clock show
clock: 8:20
